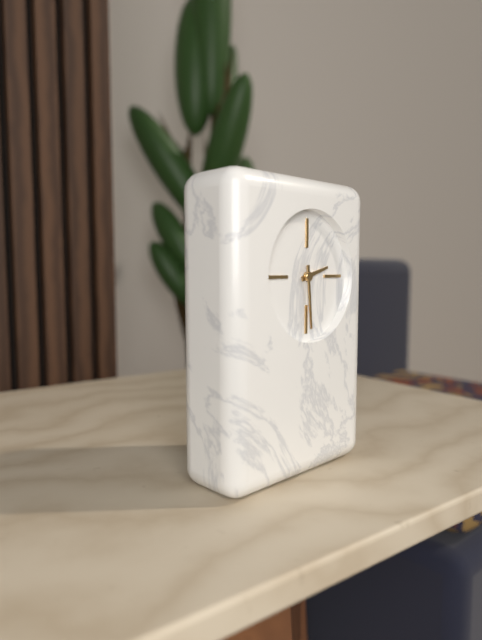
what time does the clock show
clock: 2:29
